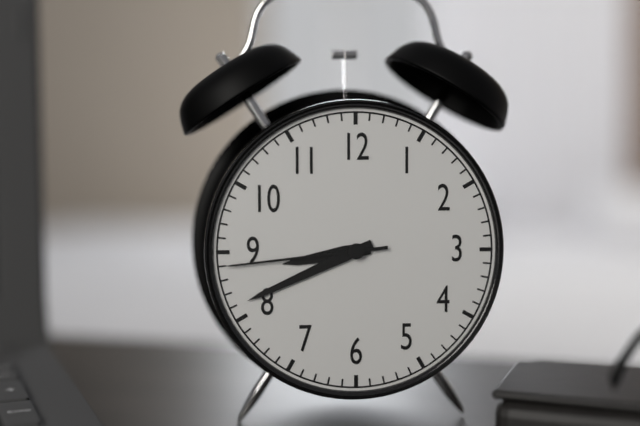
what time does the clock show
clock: 8:41:44
